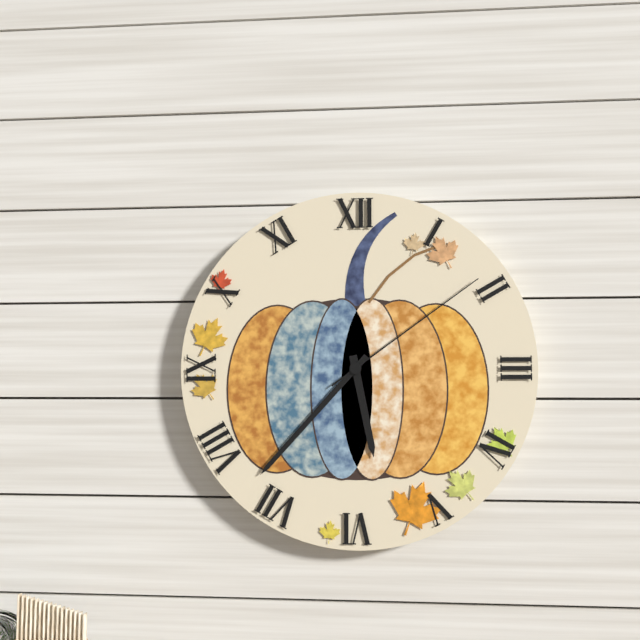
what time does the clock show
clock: 5:37:09
